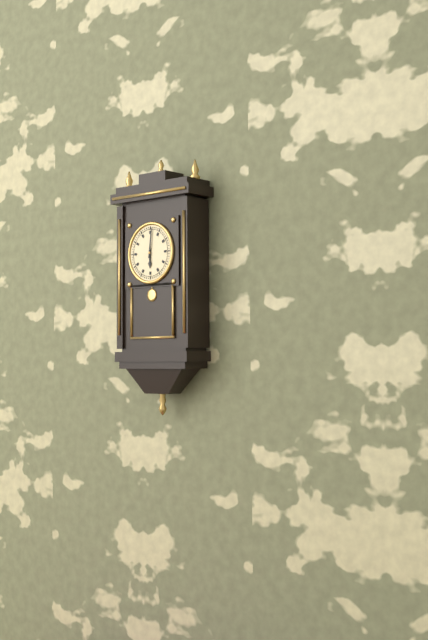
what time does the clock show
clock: 6:01
